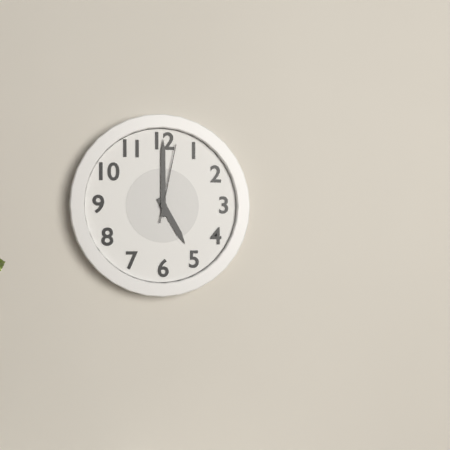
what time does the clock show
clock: 5:00:02
